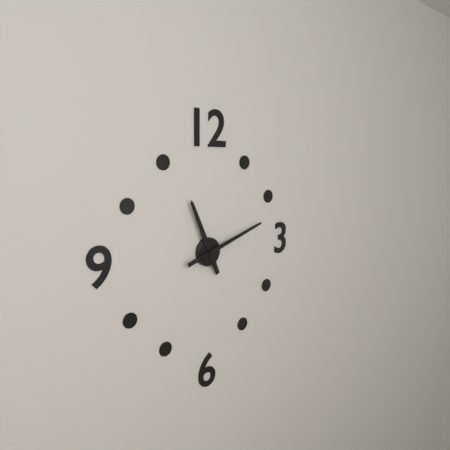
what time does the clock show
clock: 11:12
